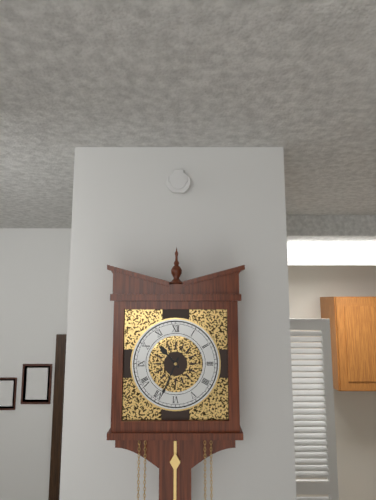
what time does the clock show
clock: 10:34
